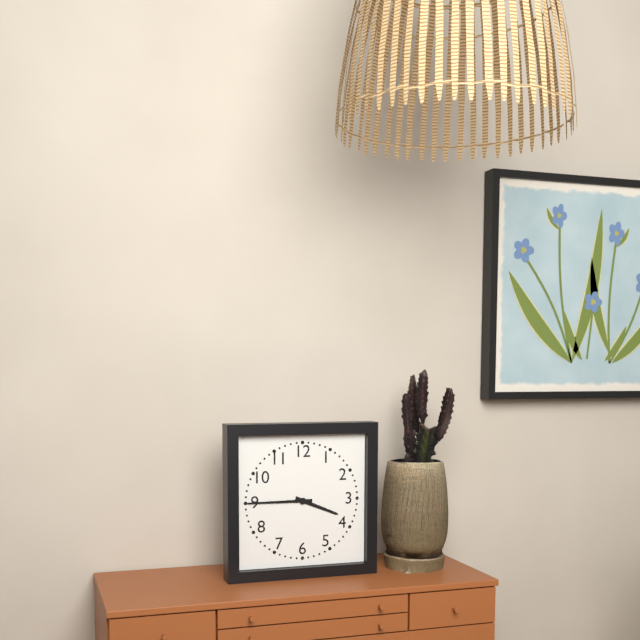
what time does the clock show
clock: 3:45
